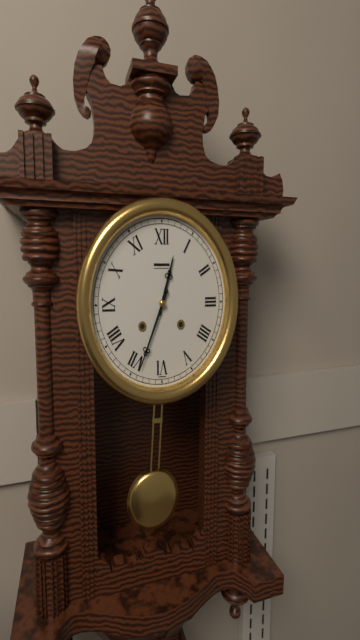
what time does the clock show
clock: 12:34
